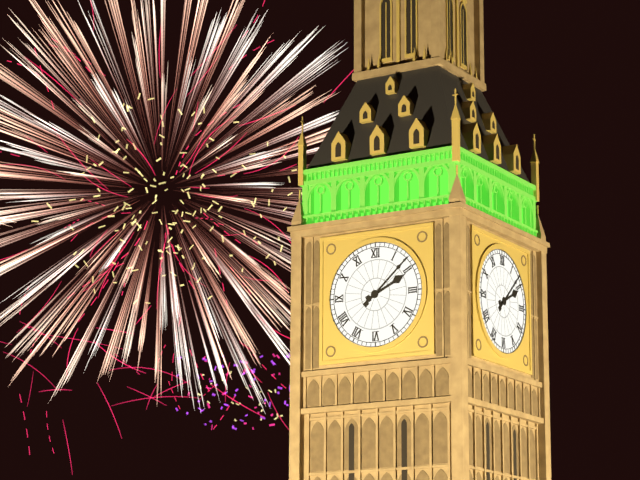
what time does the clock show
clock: 2:08
